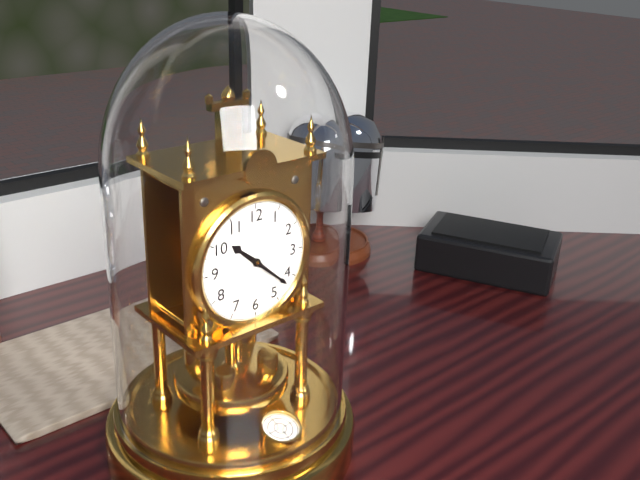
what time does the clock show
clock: 10:22
